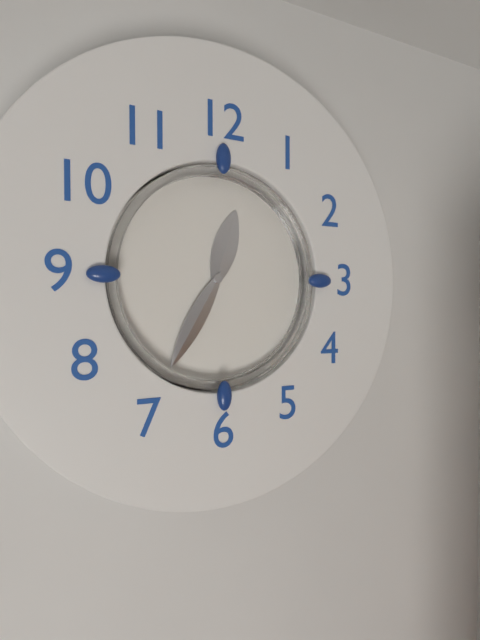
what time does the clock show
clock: 12:35
